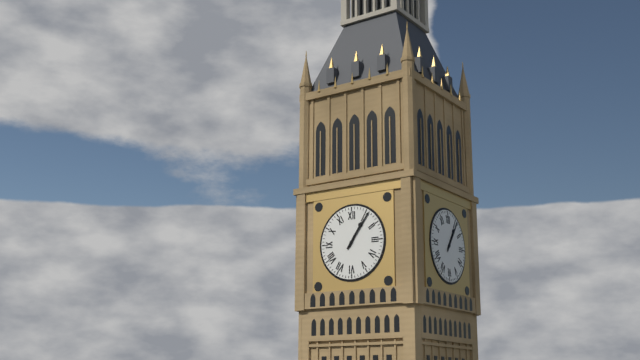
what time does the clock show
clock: 1:06
